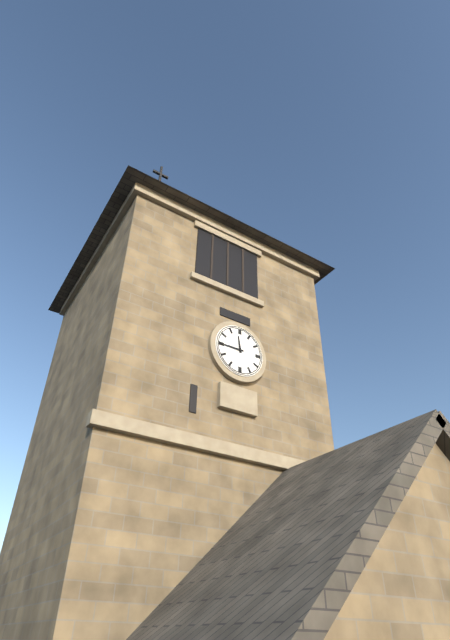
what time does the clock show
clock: 11:45
